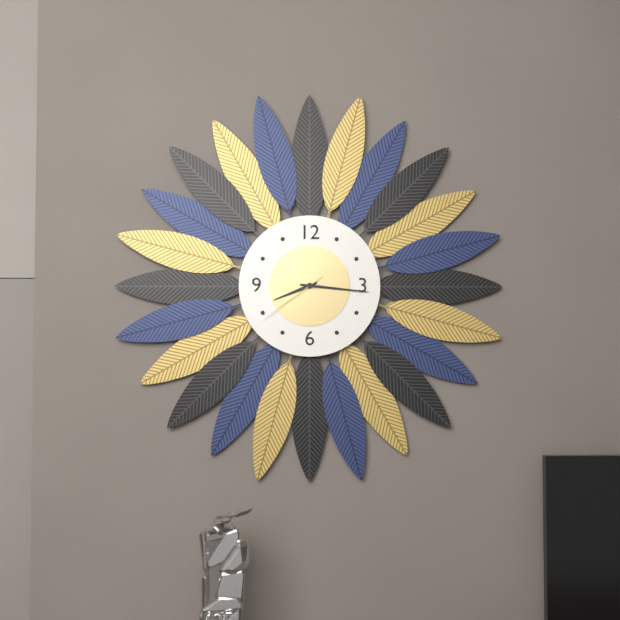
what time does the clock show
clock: 8:16:39
